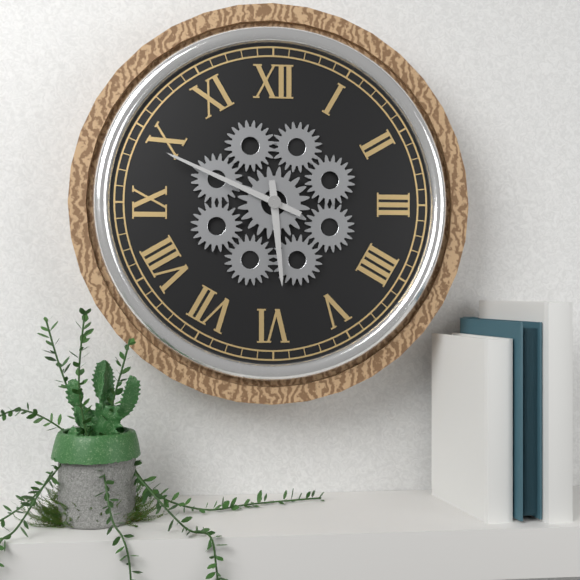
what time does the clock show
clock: 5:49
